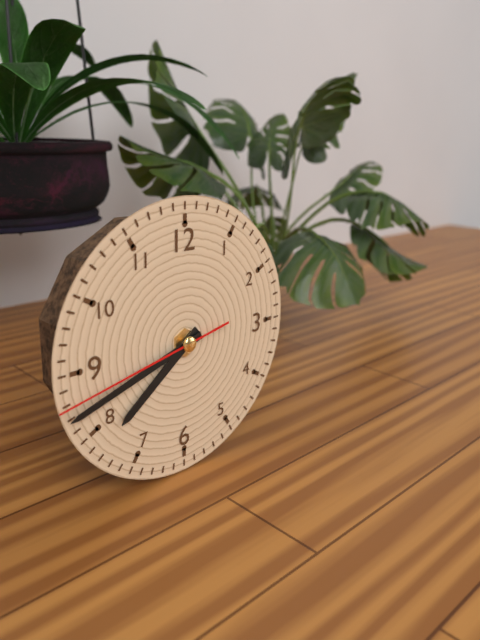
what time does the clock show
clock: 7:42:43
